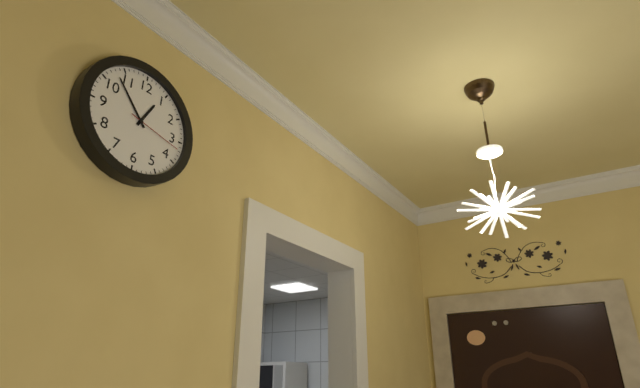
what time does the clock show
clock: 12:53:17
